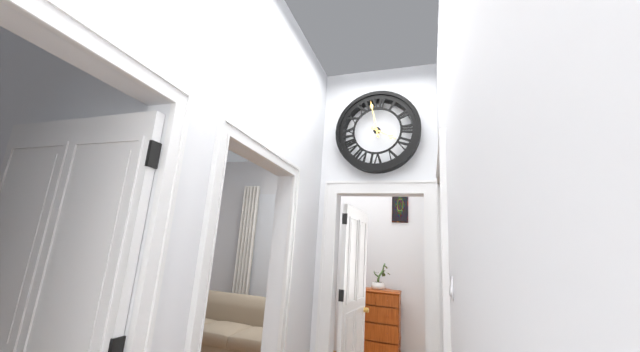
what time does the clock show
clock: 3:58
